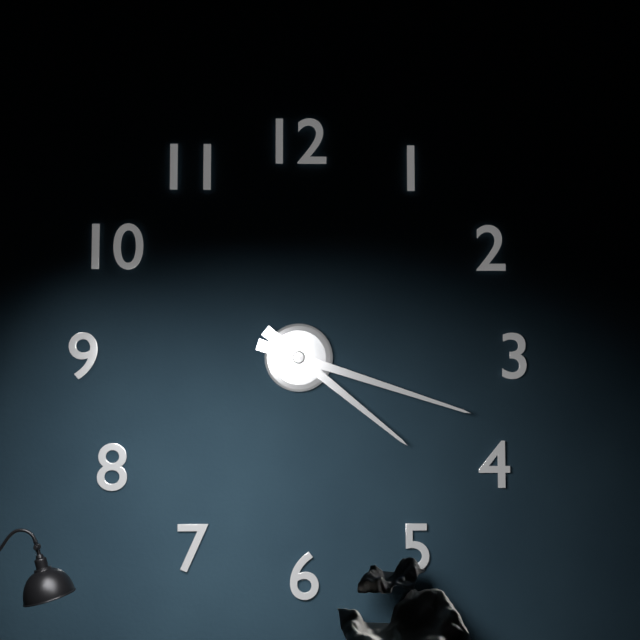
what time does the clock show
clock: 4:18
